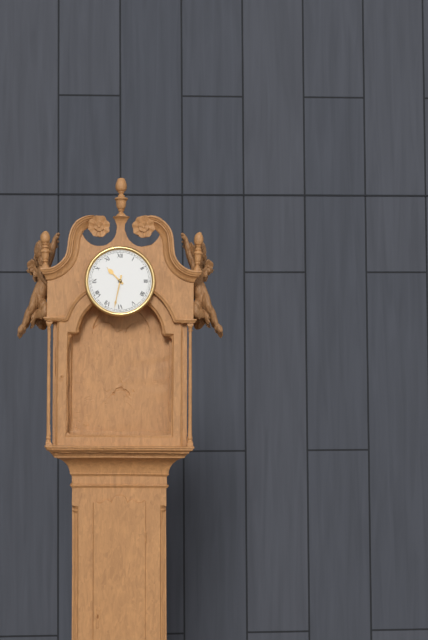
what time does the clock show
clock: 10:32
